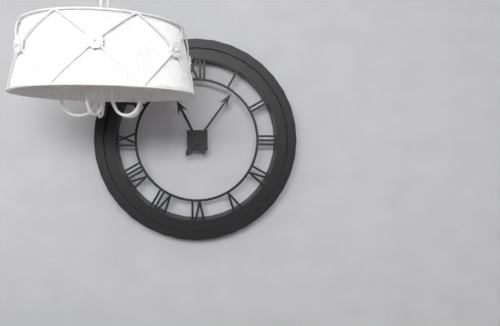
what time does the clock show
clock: 11:06
